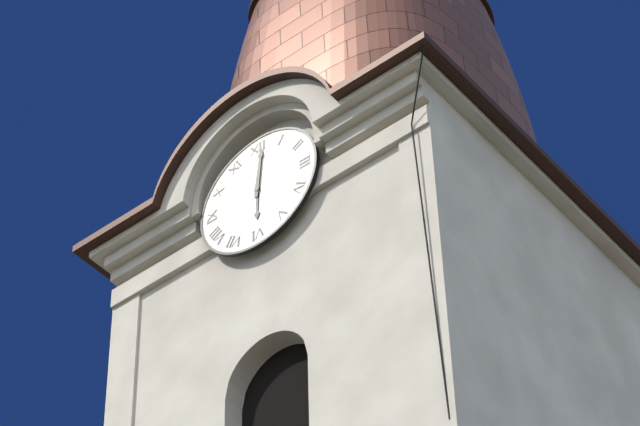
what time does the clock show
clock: 6:01
